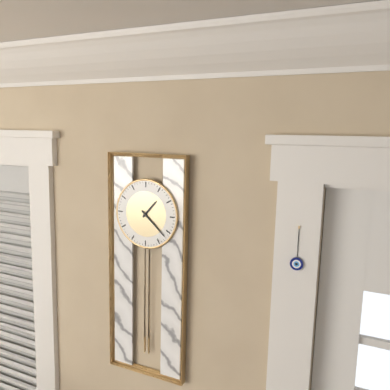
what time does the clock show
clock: 1:22
